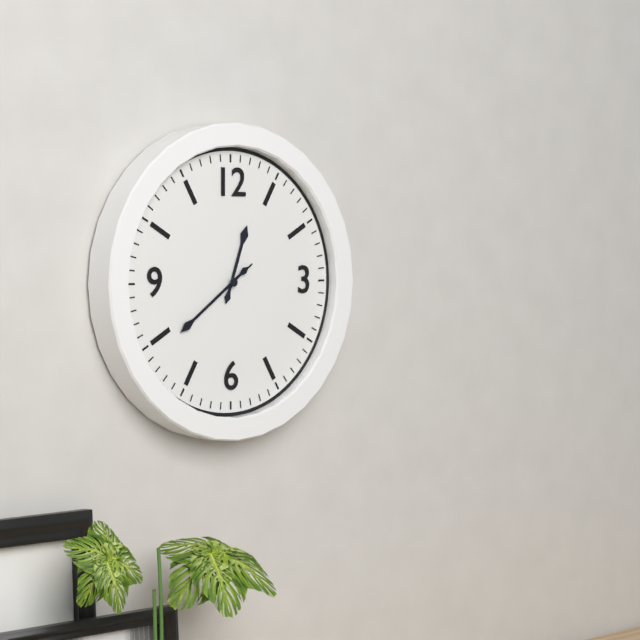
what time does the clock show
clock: 12:39:39
